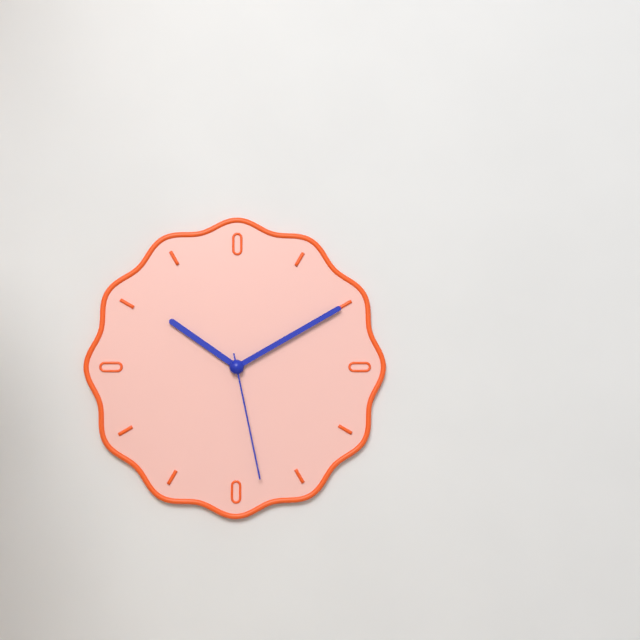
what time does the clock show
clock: 10:10:28
